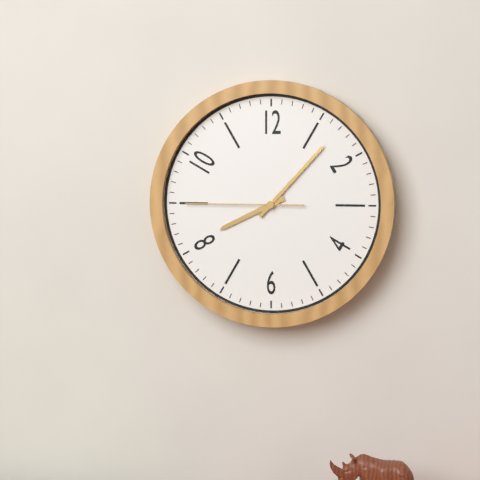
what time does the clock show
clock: 8:07:45
